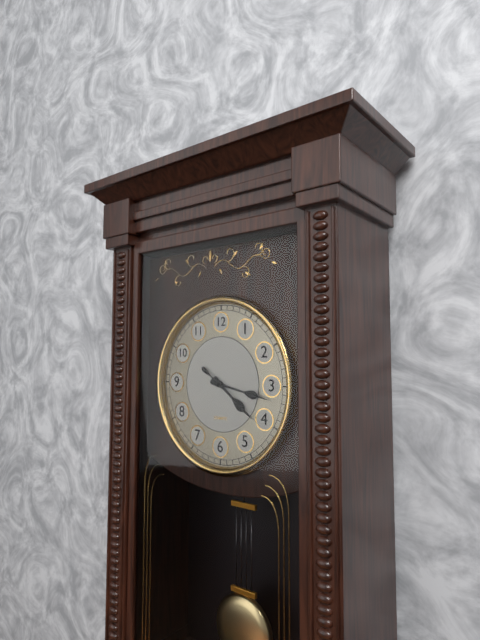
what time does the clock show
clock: 4:17:21
